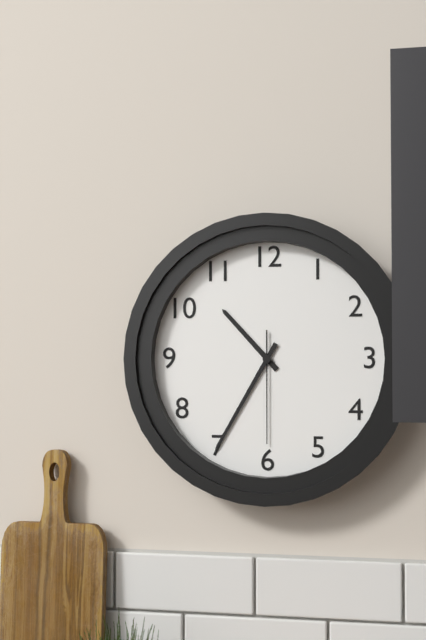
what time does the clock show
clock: 10:35:30
